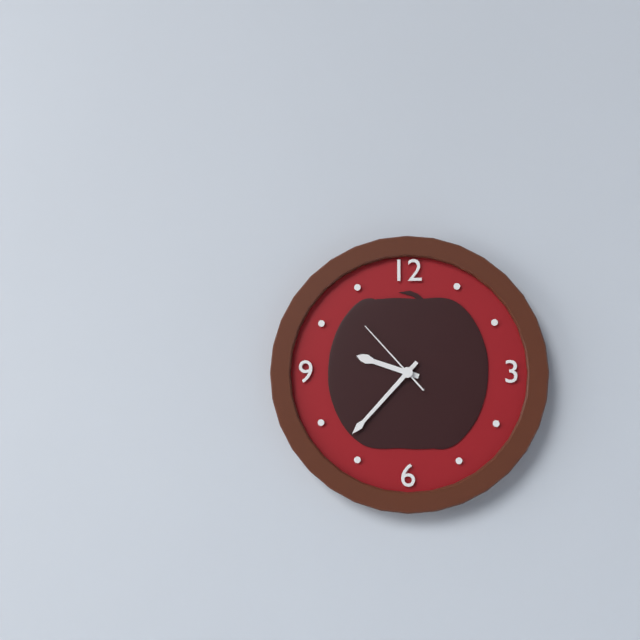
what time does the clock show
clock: 9:37:53
